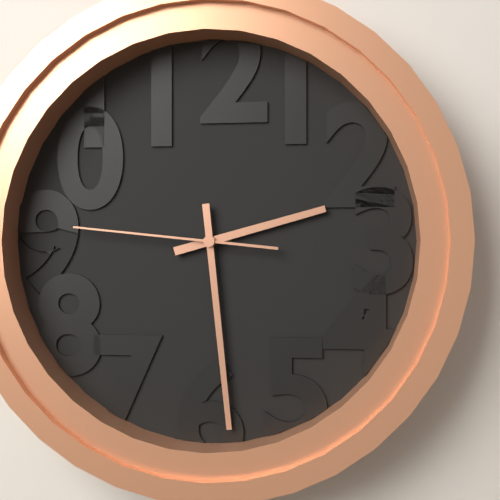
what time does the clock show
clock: 2:29:46
